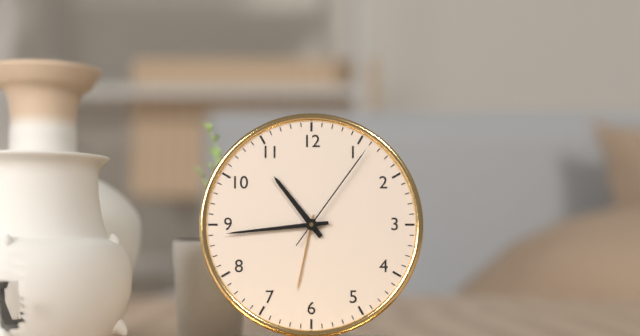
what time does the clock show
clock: 10:44:06
